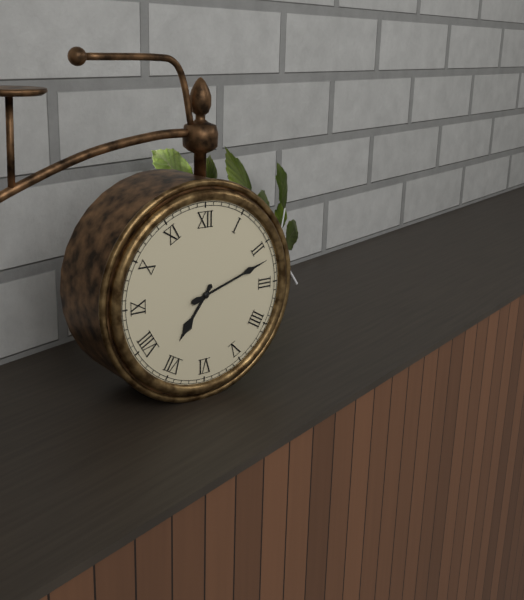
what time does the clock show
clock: 7:12
